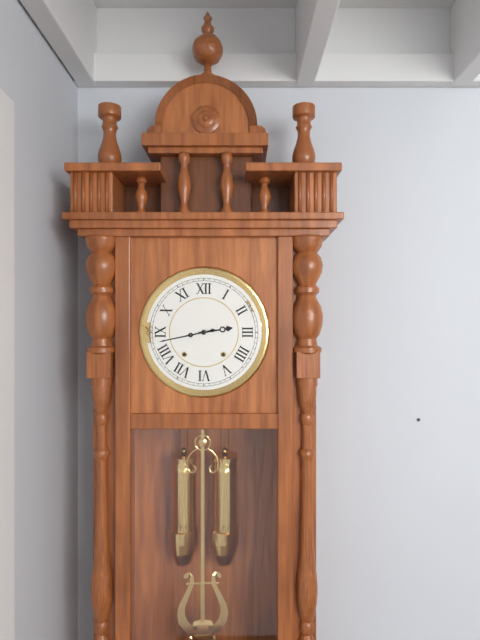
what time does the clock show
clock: 2:43
